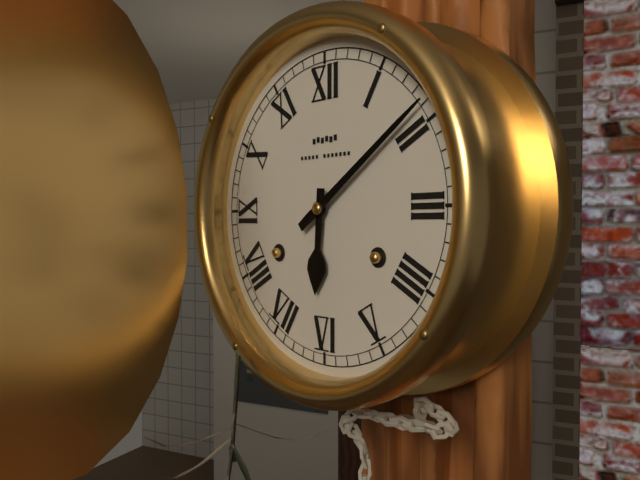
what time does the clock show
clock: 6:09
